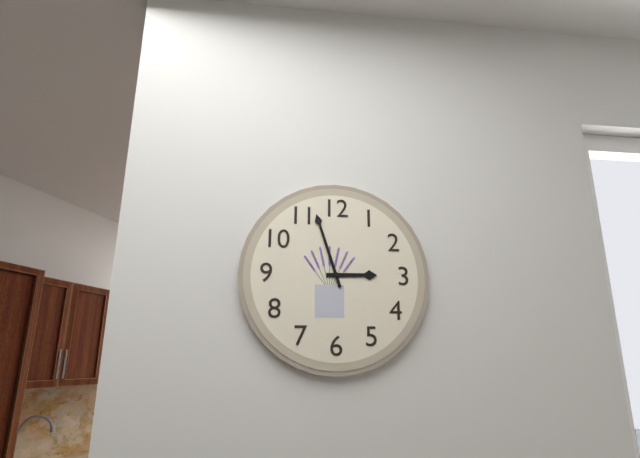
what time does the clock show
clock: 2:57
